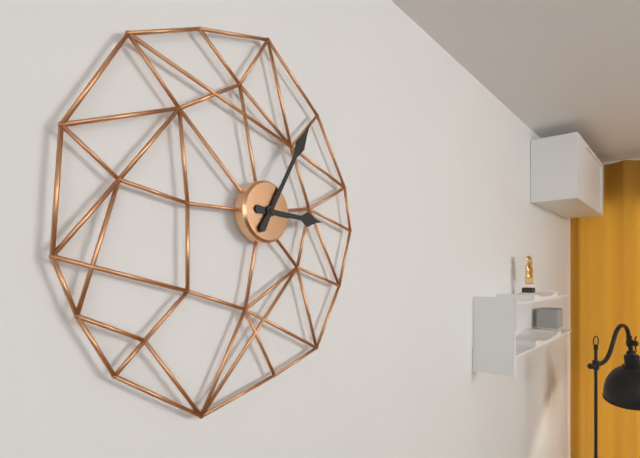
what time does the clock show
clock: 3:05
